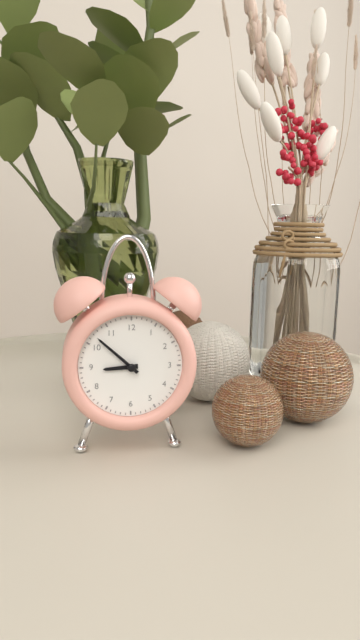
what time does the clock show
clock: 8:52
